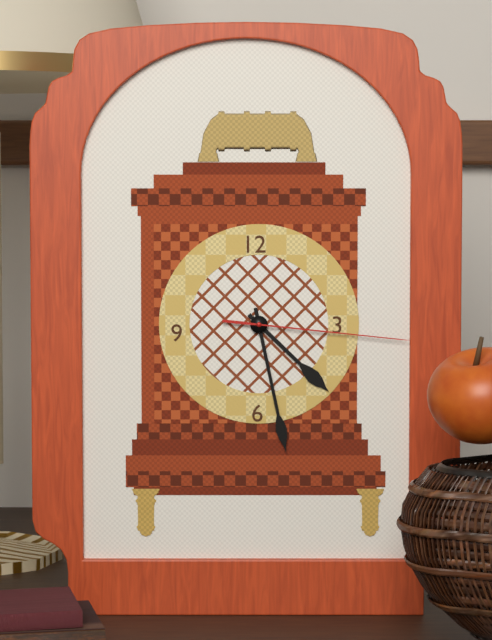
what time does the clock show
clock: 4:28:16
